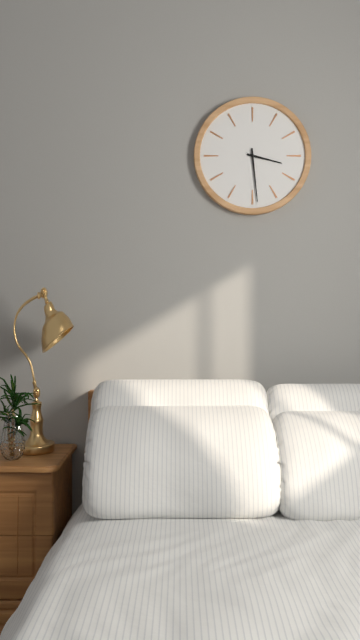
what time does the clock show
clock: 3:29
